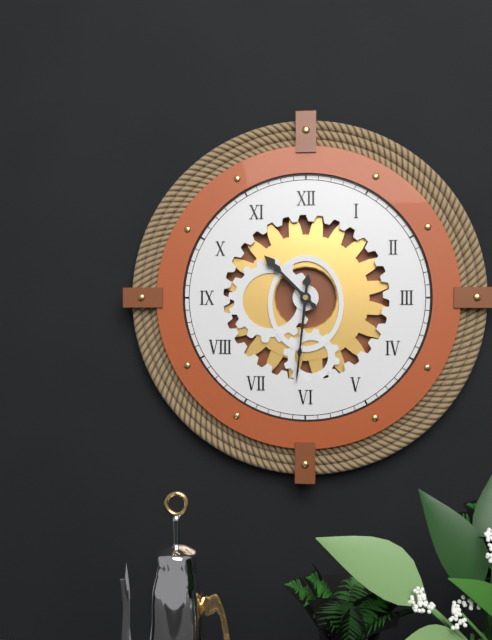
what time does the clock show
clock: 10:31
